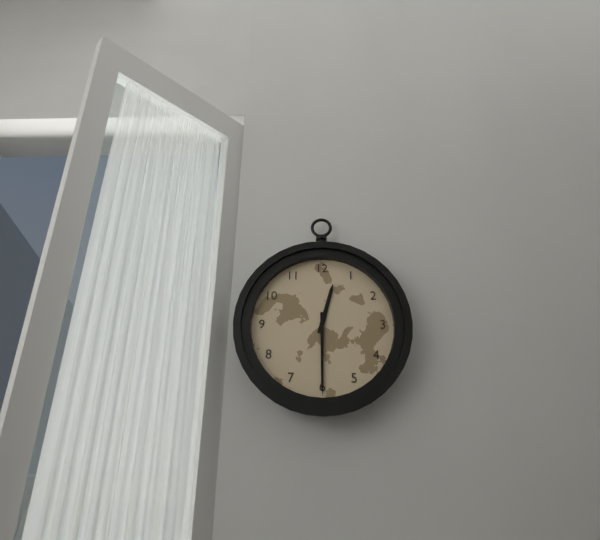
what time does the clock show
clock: 12:30
